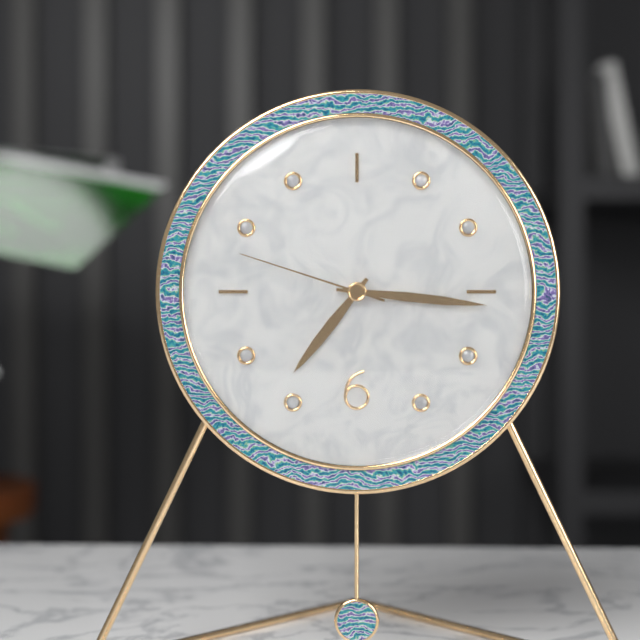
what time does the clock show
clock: 7:16:48
